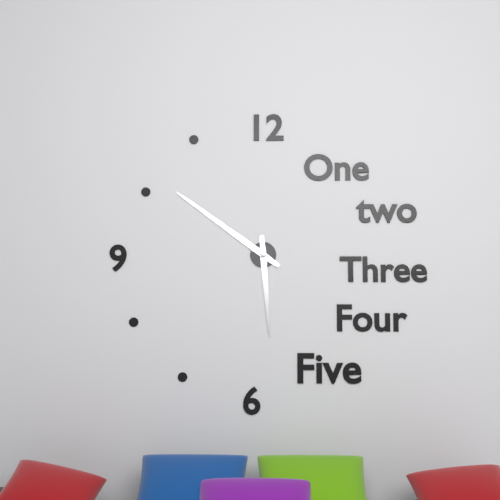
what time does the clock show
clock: 5:51
